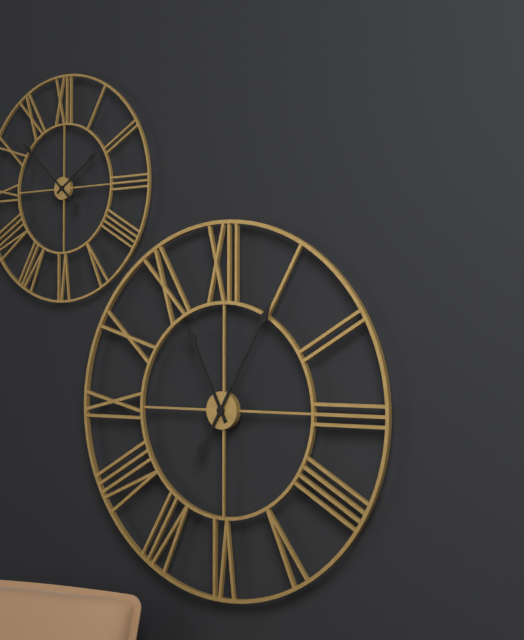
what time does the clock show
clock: 11:05
